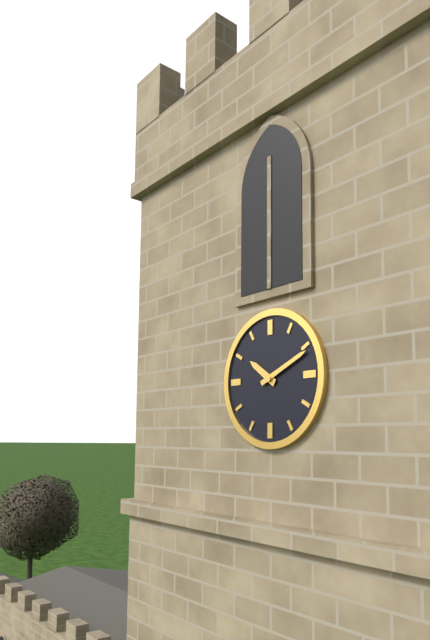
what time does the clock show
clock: 10:11
